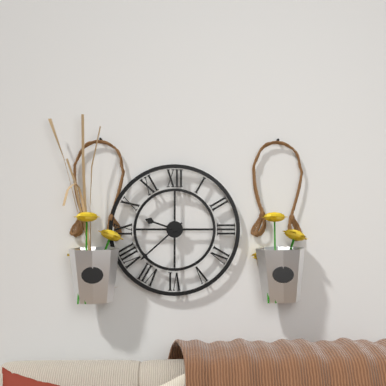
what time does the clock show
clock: 9:38
